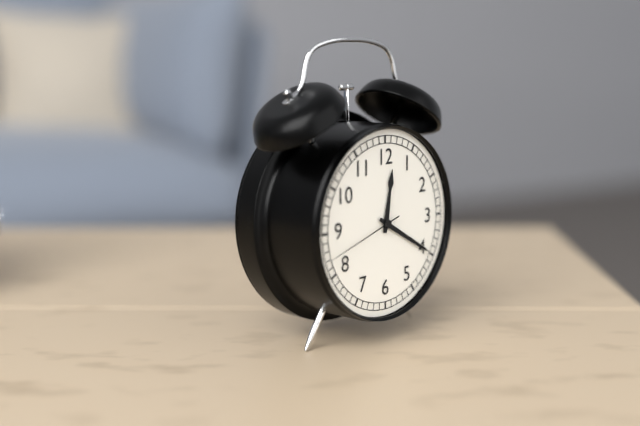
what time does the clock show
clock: 12:20:42
